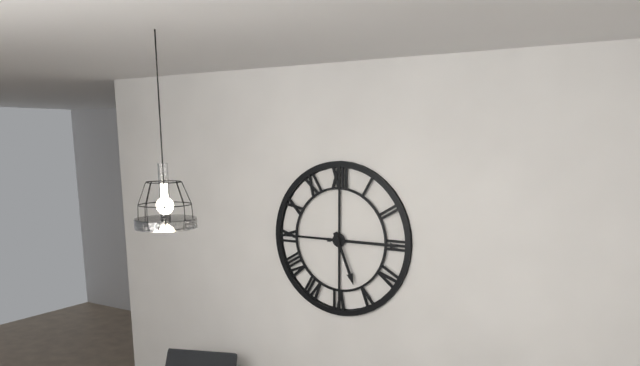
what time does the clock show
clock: 5:15
